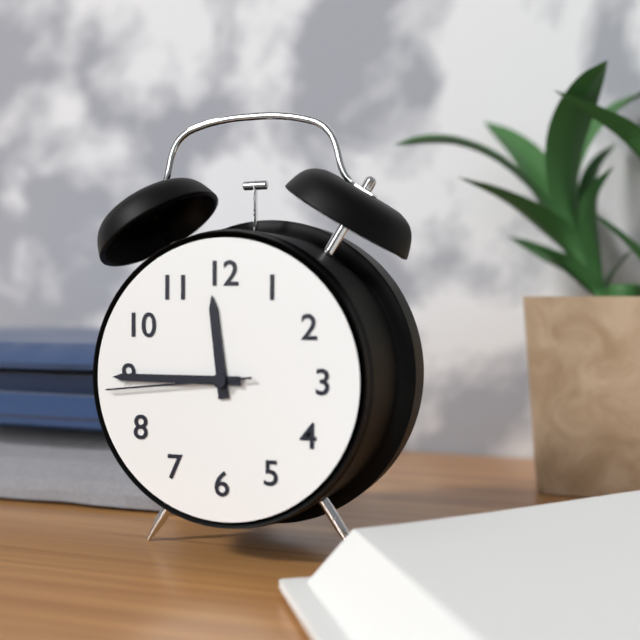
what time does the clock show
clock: 11:45:44
